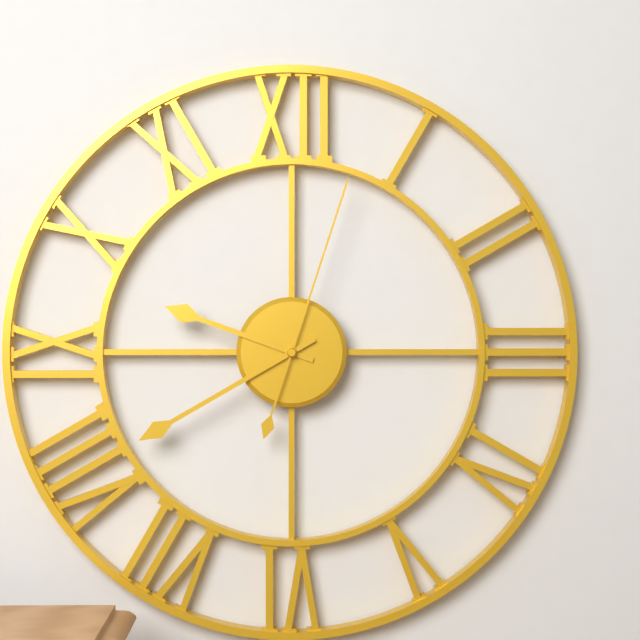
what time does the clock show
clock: 9:40:03
